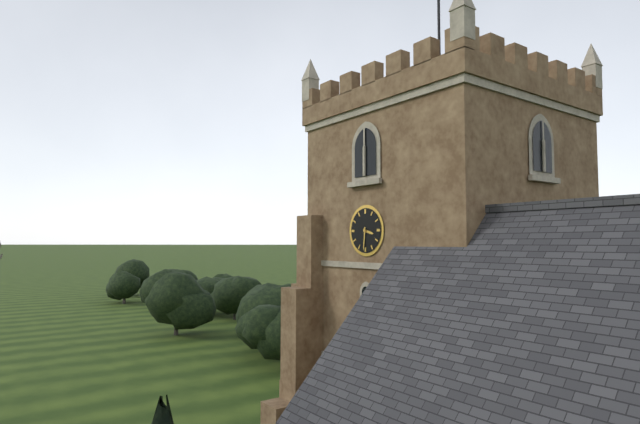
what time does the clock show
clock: 3:31
